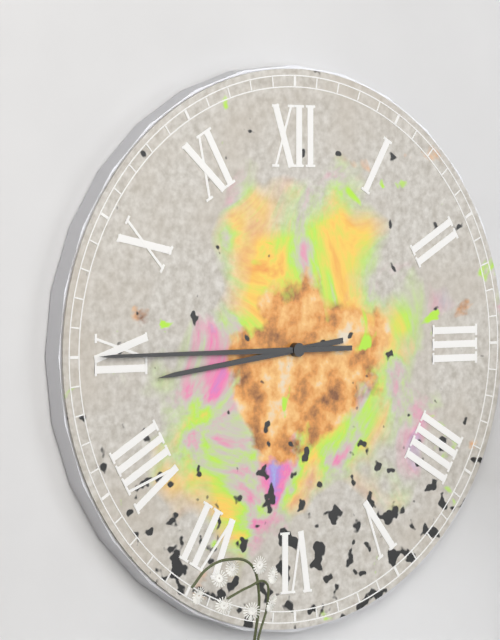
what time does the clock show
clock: 8:45
